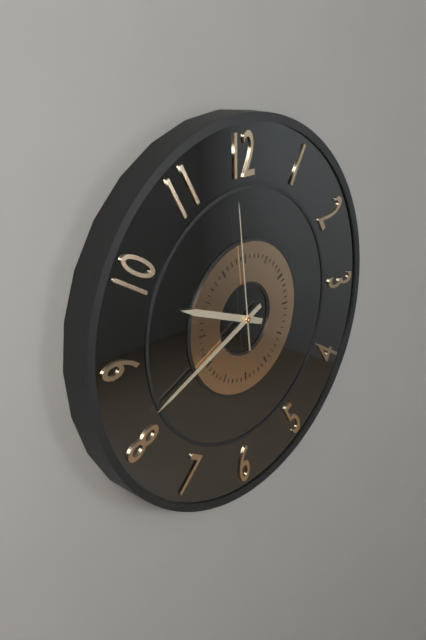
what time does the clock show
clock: 9:41:59
